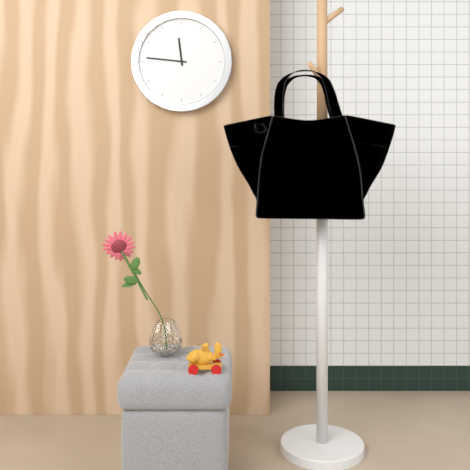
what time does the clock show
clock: 11:46
